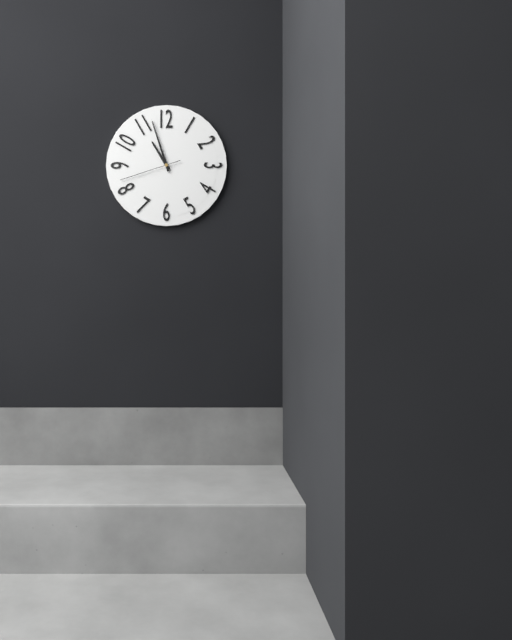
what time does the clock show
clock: 10:57:42
